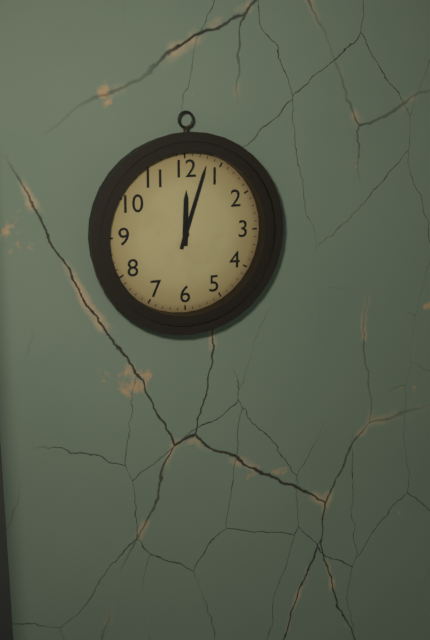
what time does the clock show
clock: 12:03
